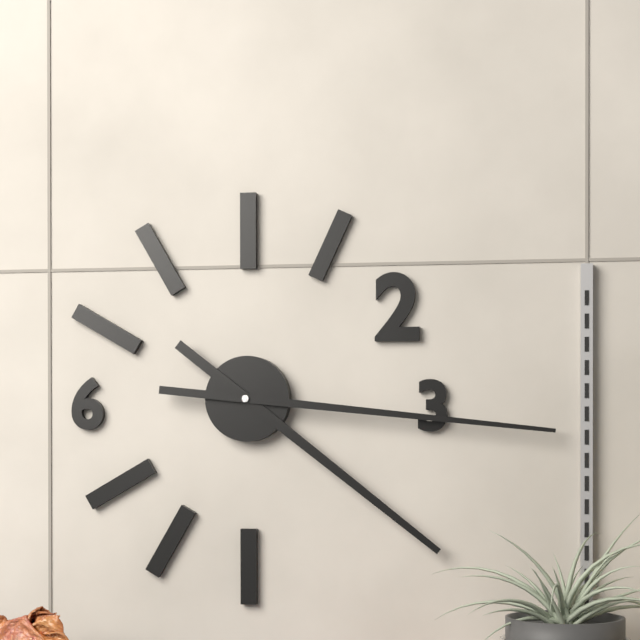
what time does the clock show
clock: 4:16
